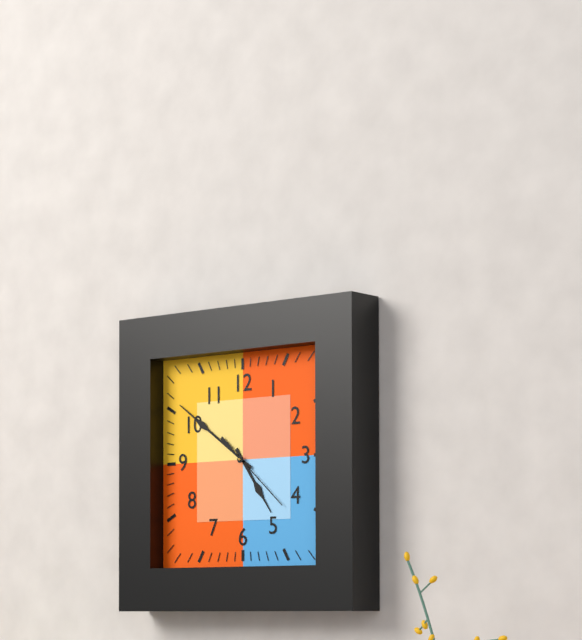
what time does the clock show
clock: 4:51:22
